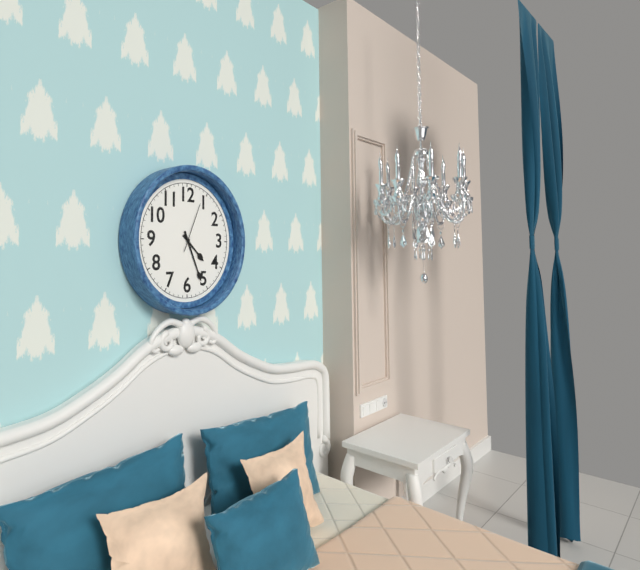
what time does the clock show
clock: 4:26
